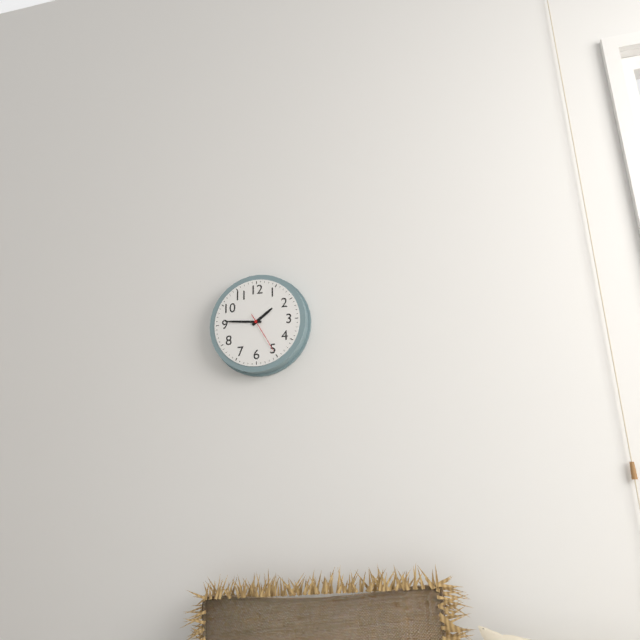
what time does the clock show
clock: 1:46
